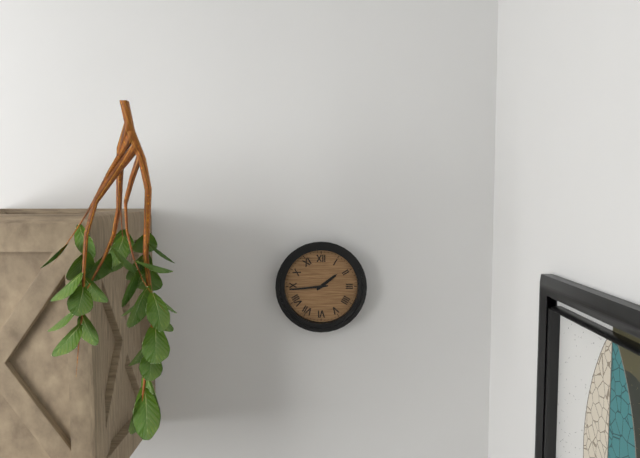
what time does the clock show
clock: 1:44
